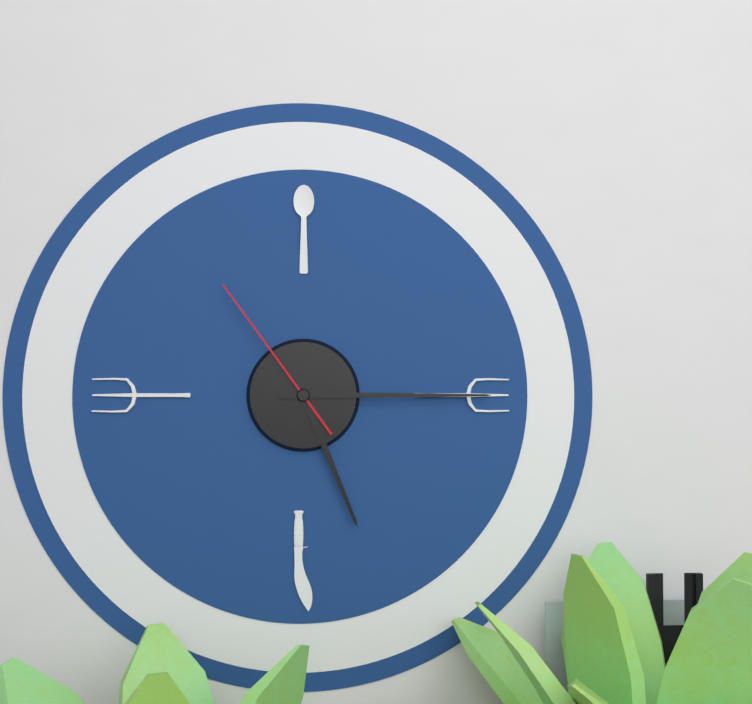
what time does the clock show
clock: 5:15:54
